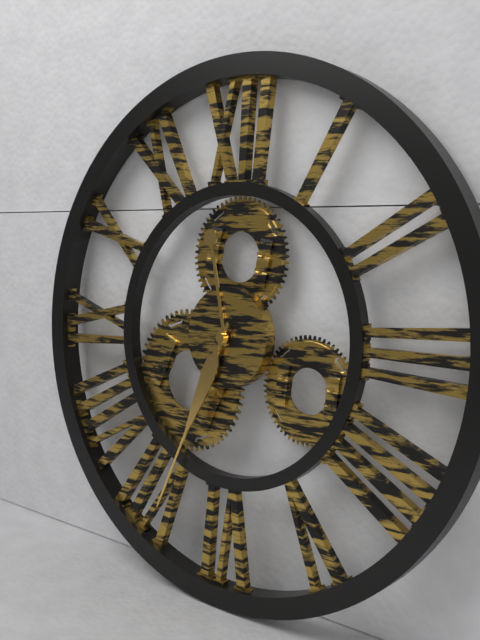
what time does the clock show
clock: 11:34
